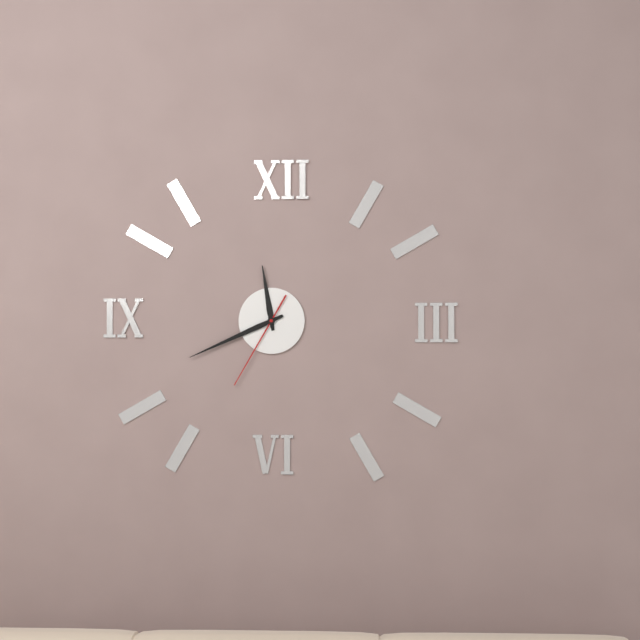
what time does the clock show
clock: 11:41:35
